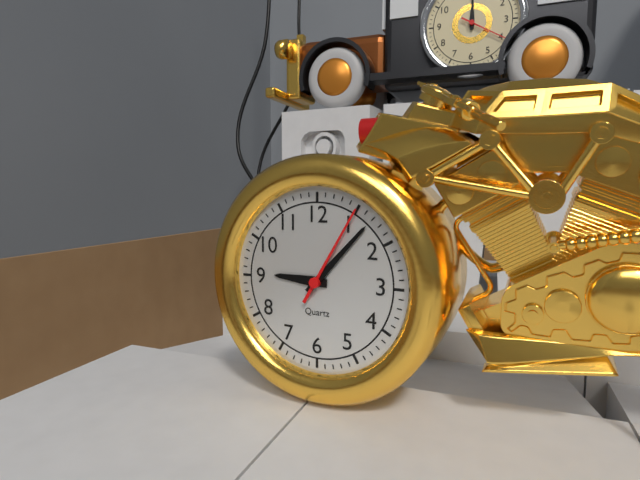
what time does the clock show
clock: 9:07:05
